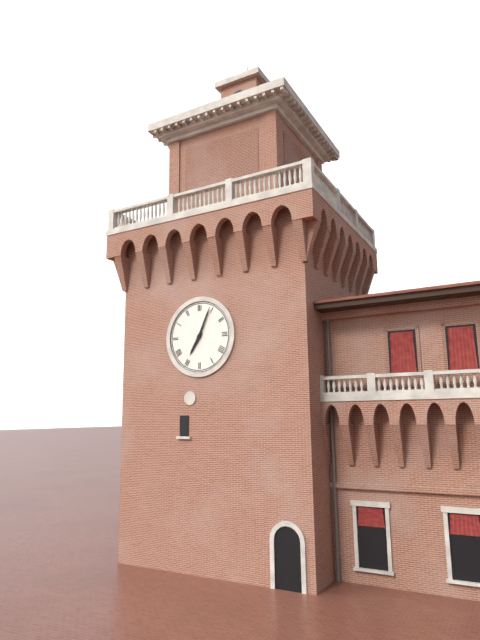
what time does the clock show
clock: 7:04
